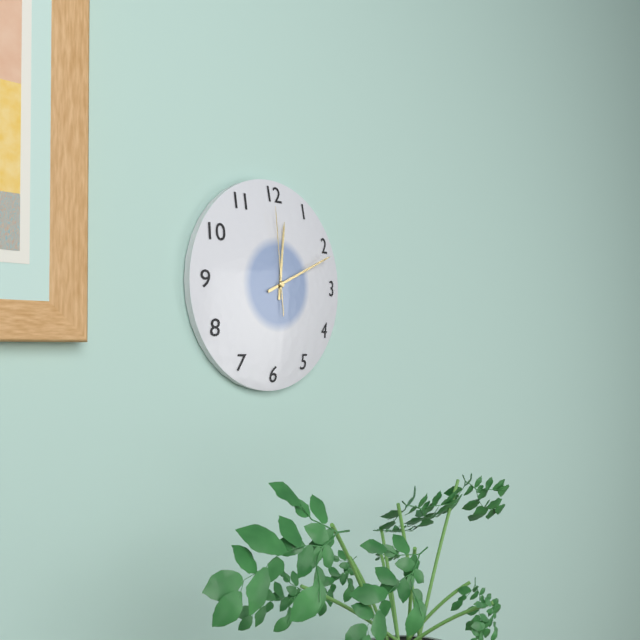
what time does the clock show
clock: 12:11:59
